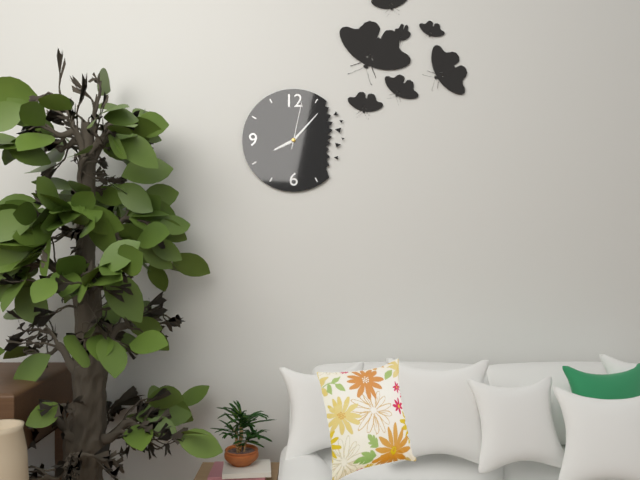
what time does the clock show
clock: 8:07:02
